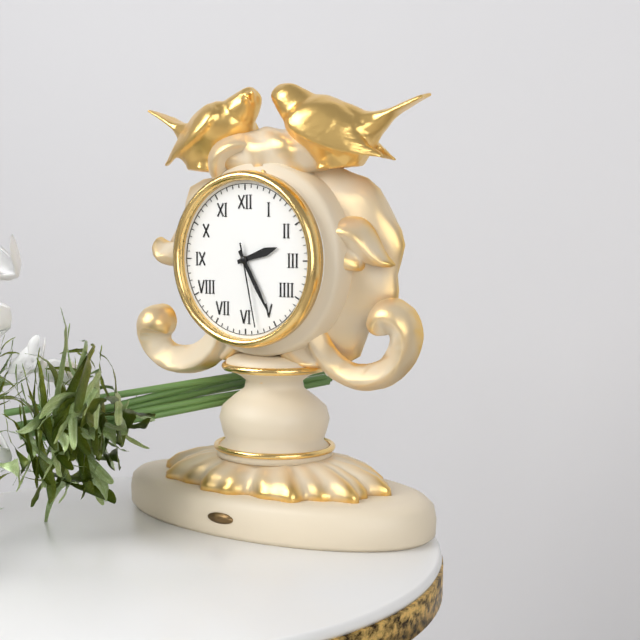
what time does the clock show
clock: 2:25:28
